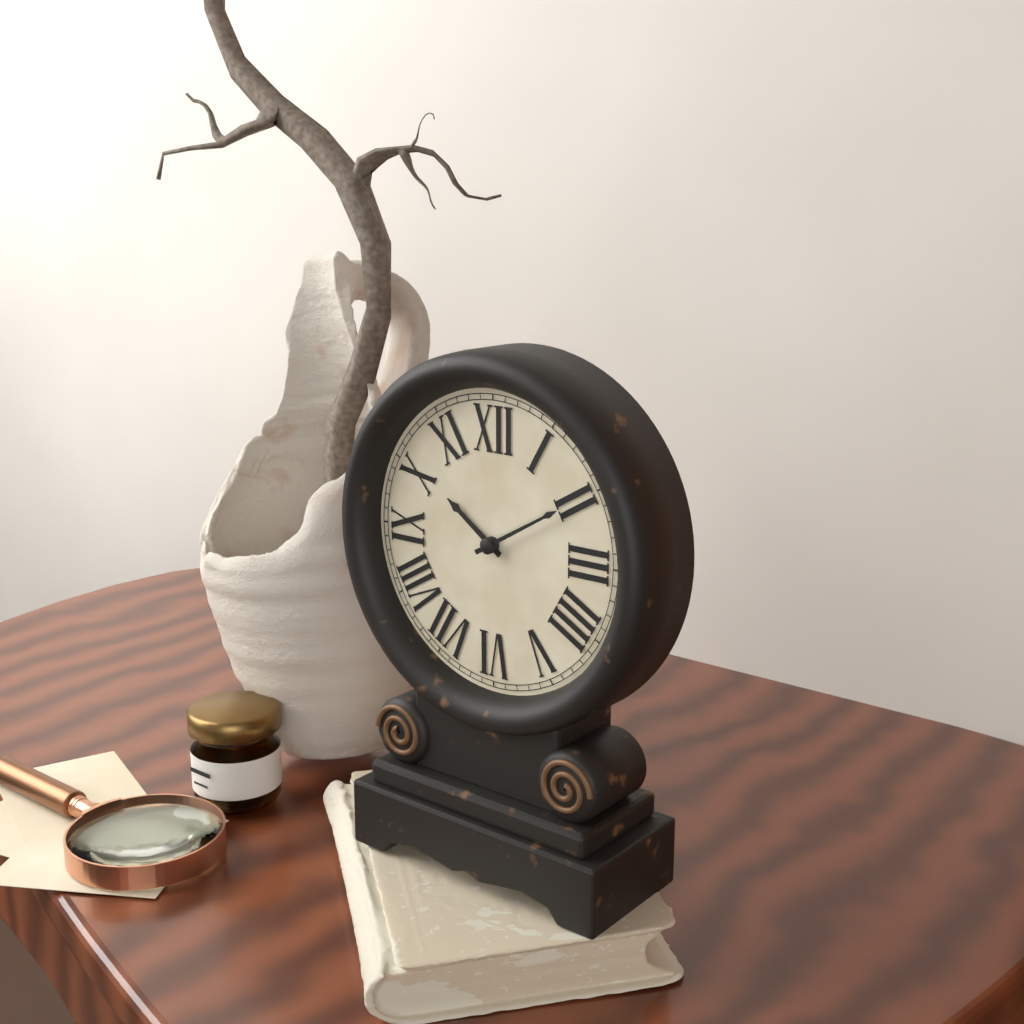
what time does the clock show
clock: 10:10
